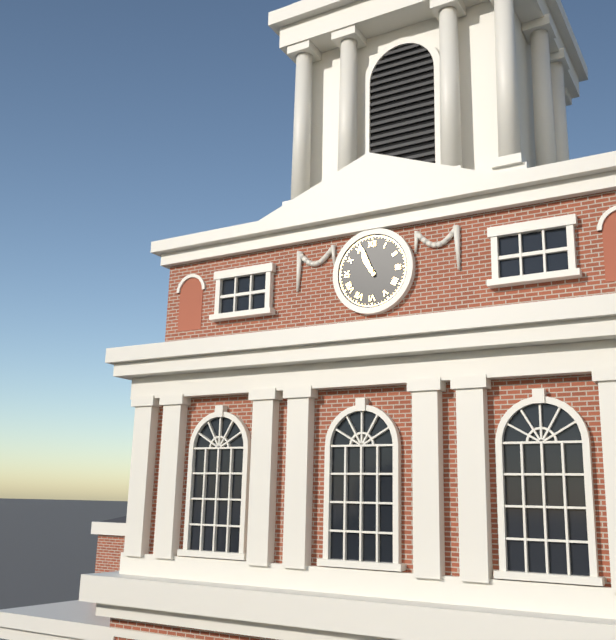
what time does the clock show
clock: 10:56
